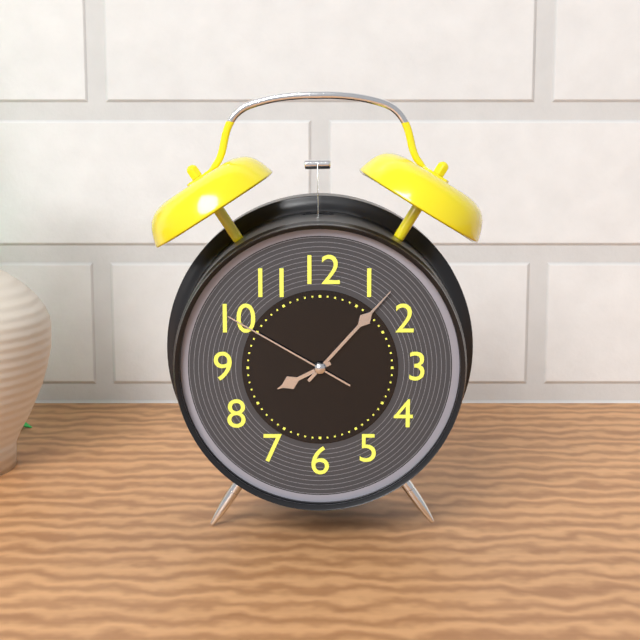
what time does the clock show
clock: 8:07:50
